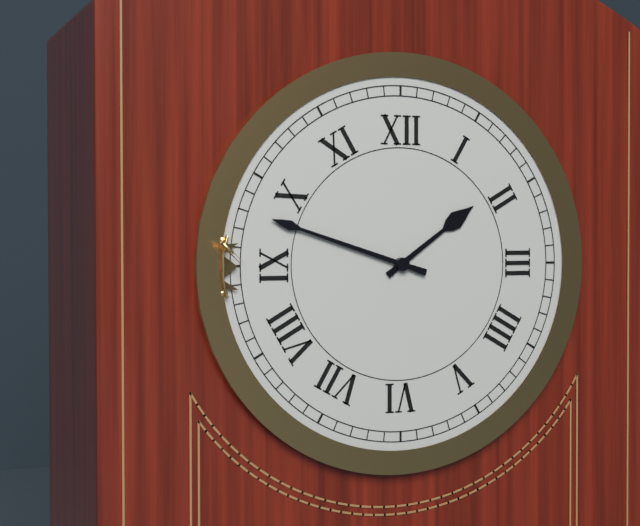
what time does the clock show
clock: 1:48
